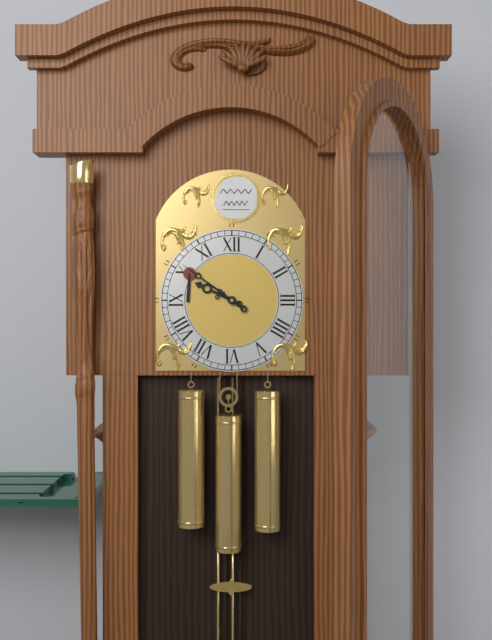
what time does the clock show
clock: 9:51
